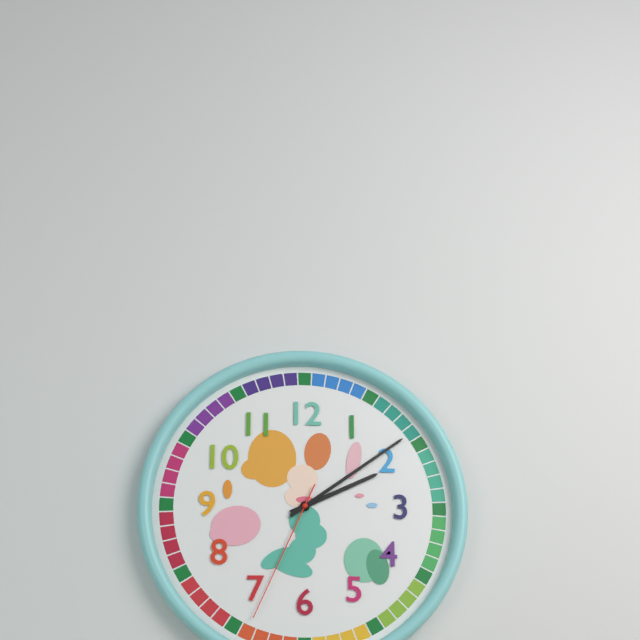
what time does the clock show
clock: 2:09:34
